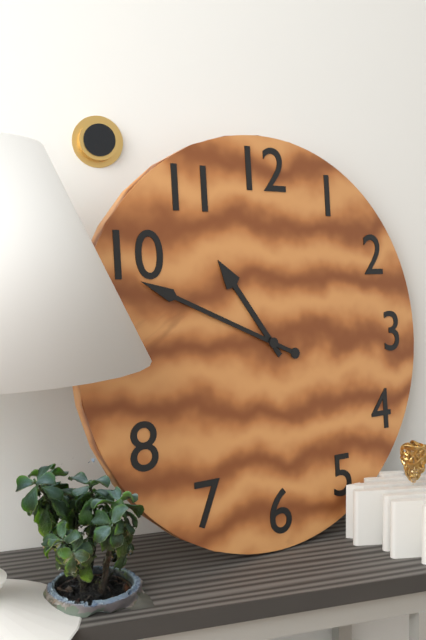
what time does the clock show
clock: 10:49
